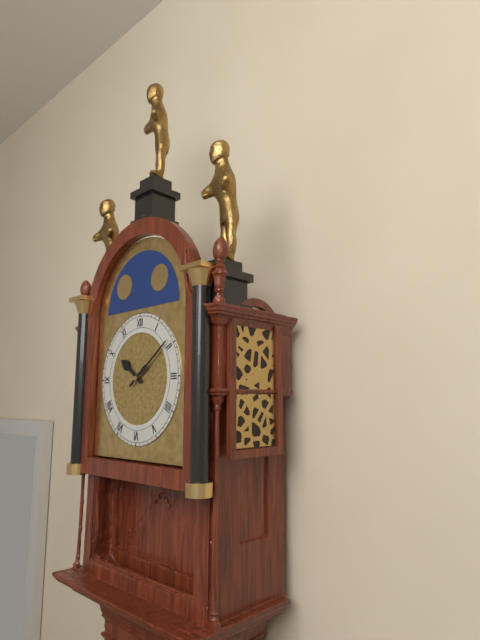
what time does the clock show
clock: 10:09
